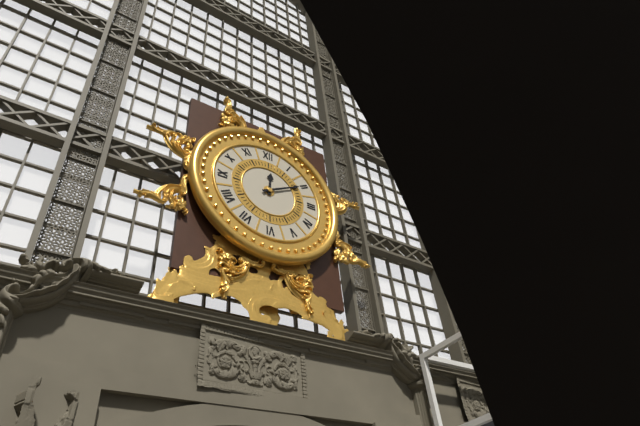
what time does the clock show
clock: 12:10
